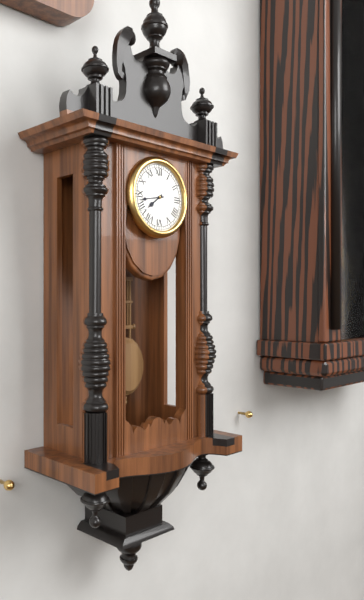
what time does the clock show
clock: 7:43
